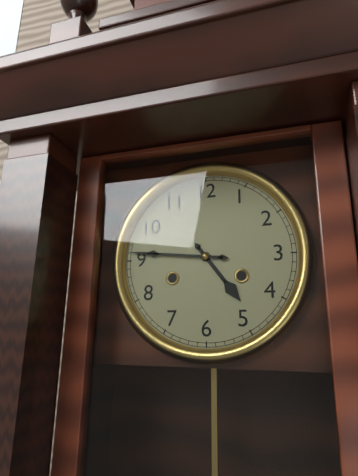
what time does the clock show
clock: 4:46
